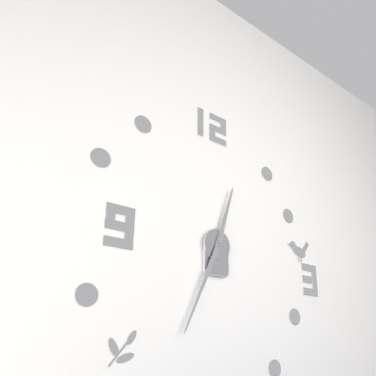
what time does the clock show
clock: 12:34
